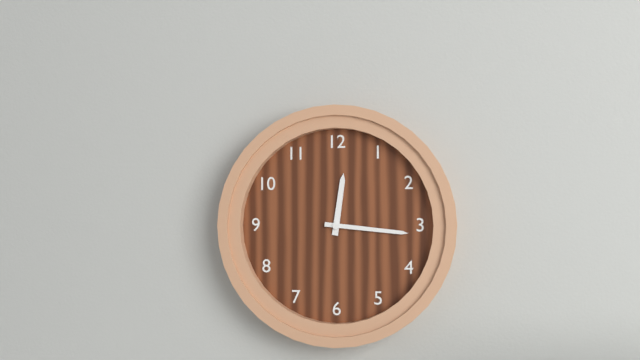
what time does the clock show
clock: 12:16
